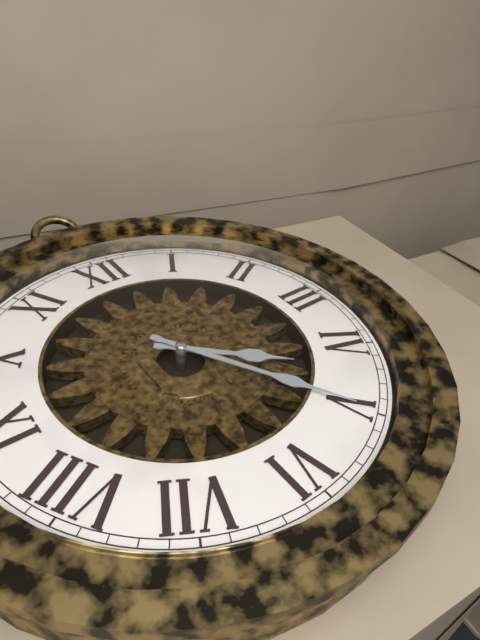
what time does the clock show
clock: 4:25
